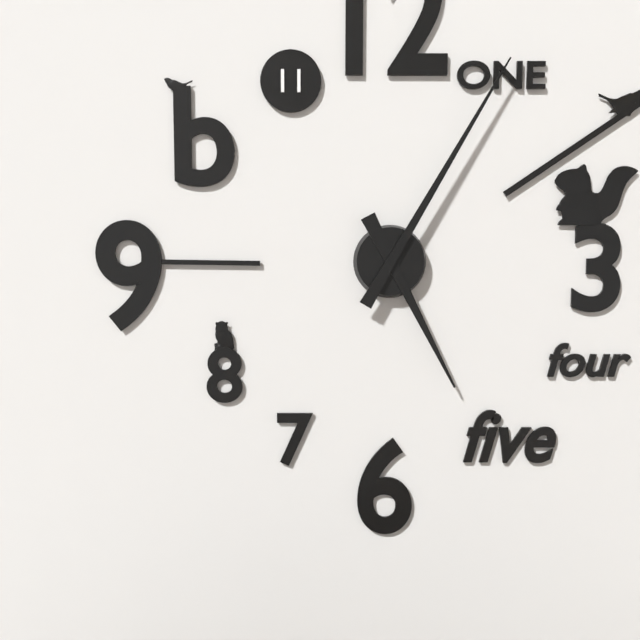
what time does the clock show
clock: 5:05
